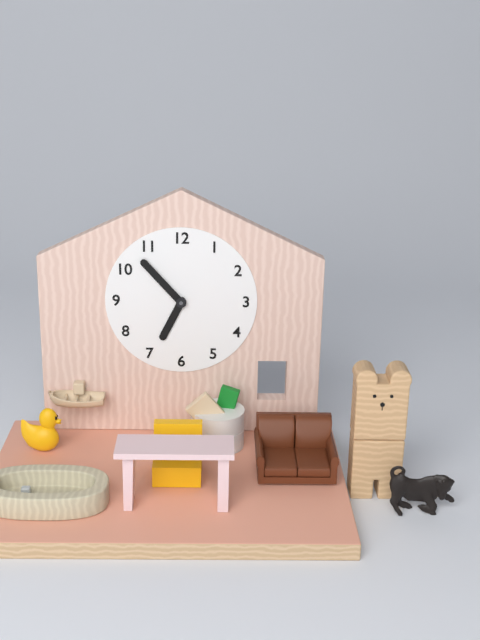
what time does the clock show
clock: 6:53
